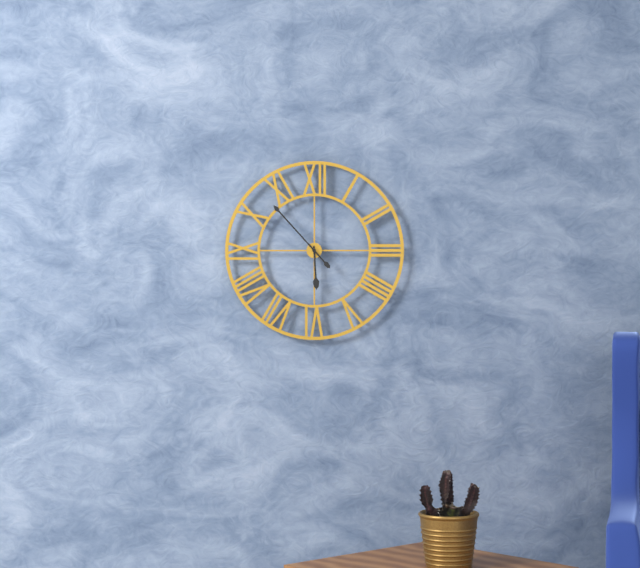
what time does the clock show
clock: 5:53
